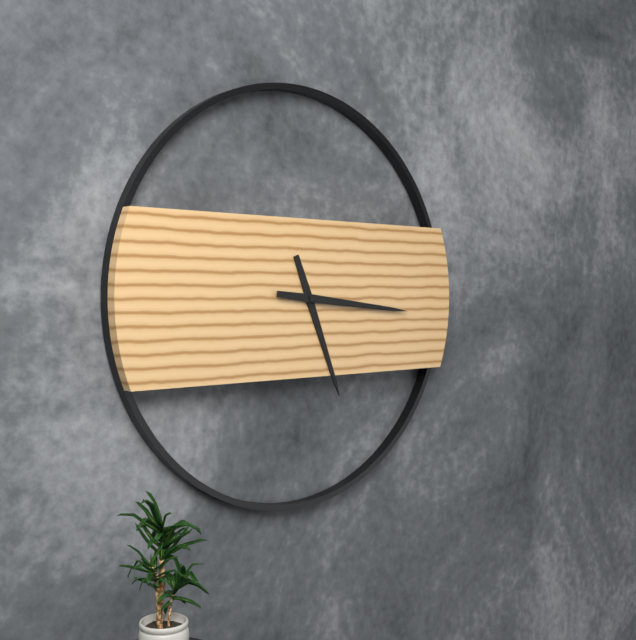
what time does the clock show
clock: 5:16
